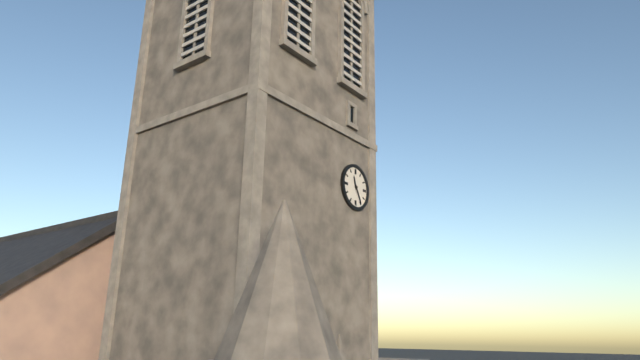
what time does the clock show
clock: 11:25
